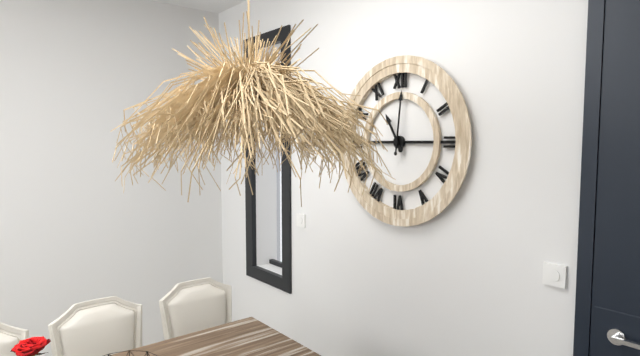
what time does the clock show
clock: 11:01
